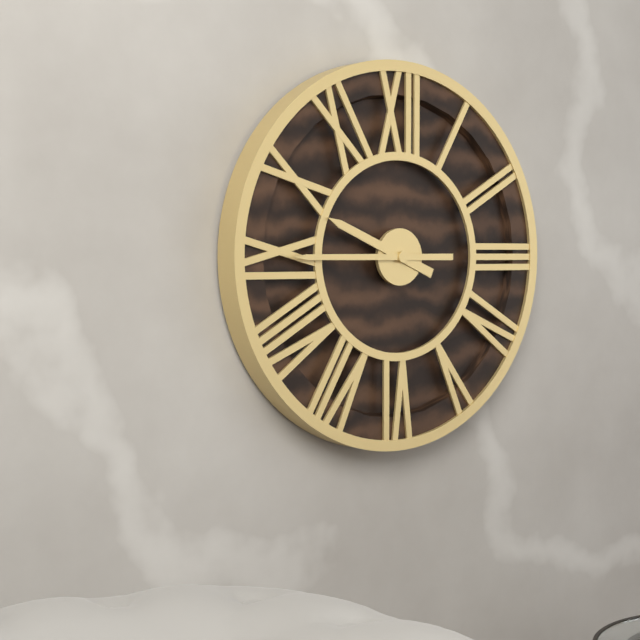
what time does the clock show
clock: 9:45
